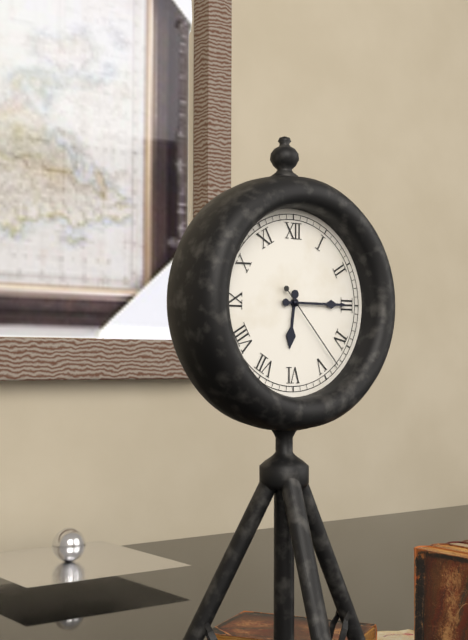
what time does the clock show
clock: 6:15:23
